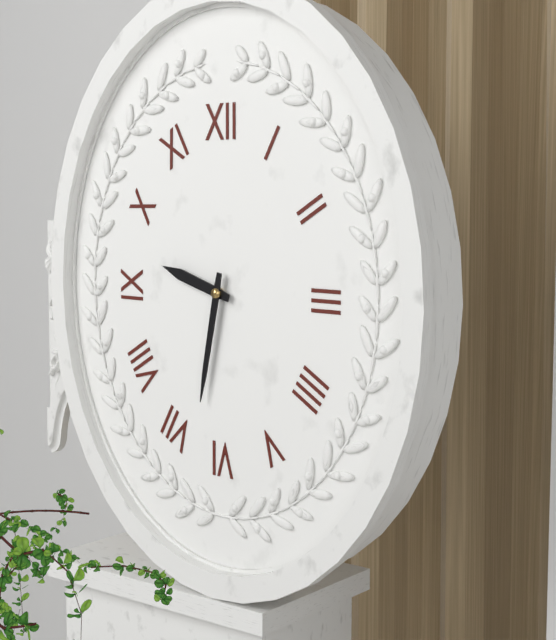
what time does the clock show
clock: 9:32
